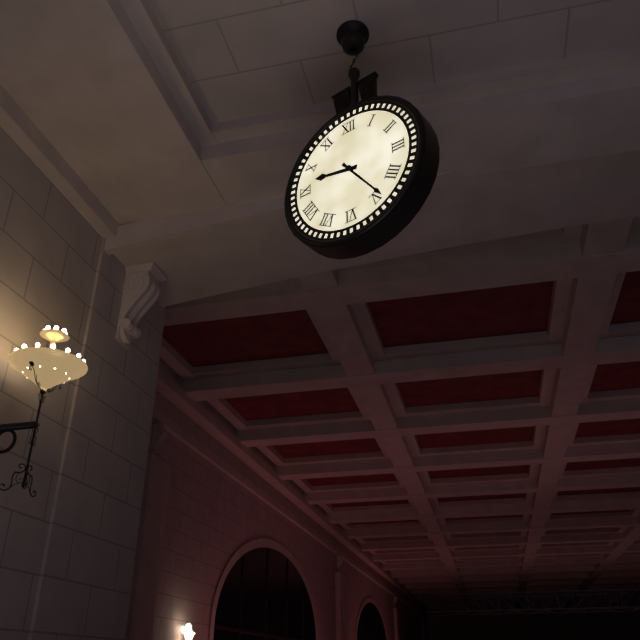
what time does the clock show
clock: 9:24
